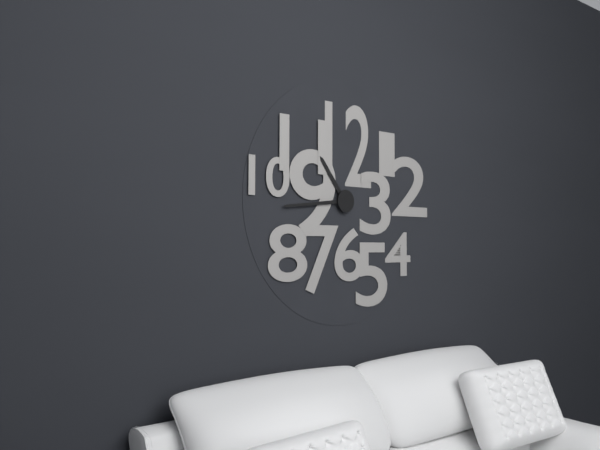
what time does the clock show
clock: 10:44
